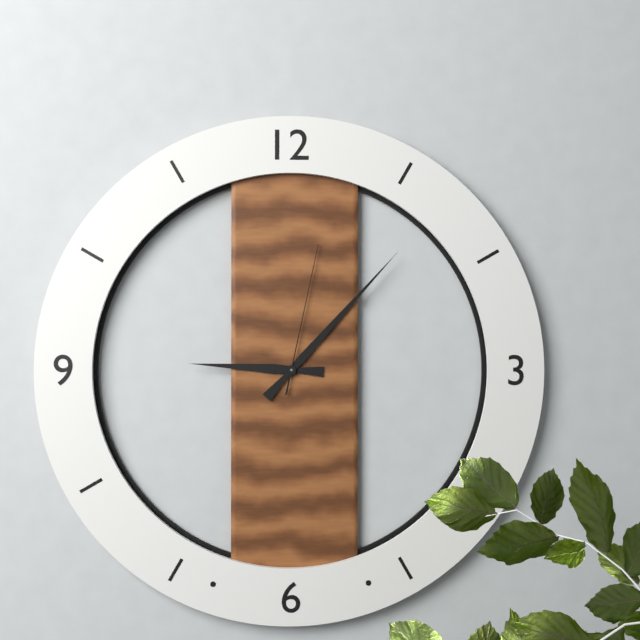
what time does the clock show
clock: 9:07:02
